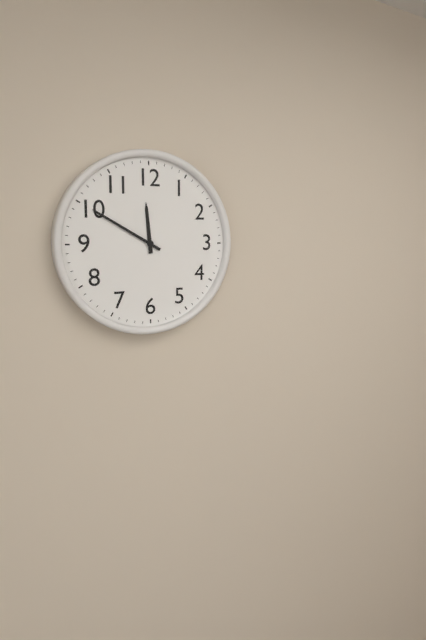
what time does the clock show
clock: 11:50
